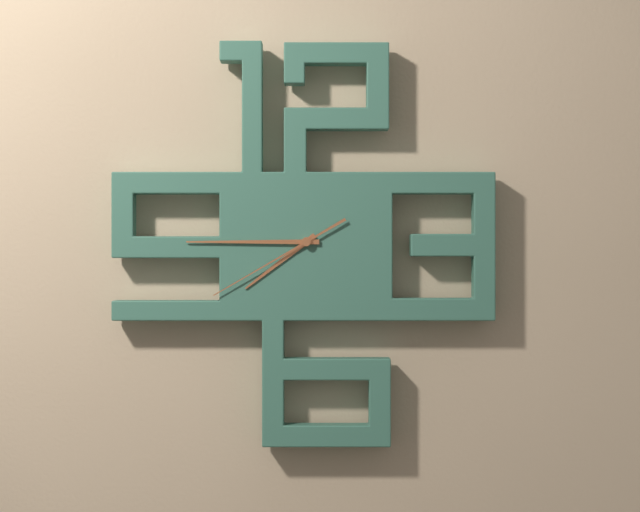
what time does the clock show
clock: 7:45:40
